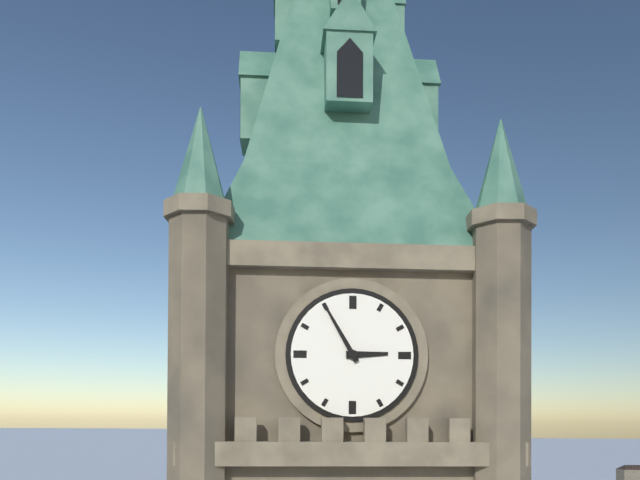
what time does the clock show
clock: 2:55
